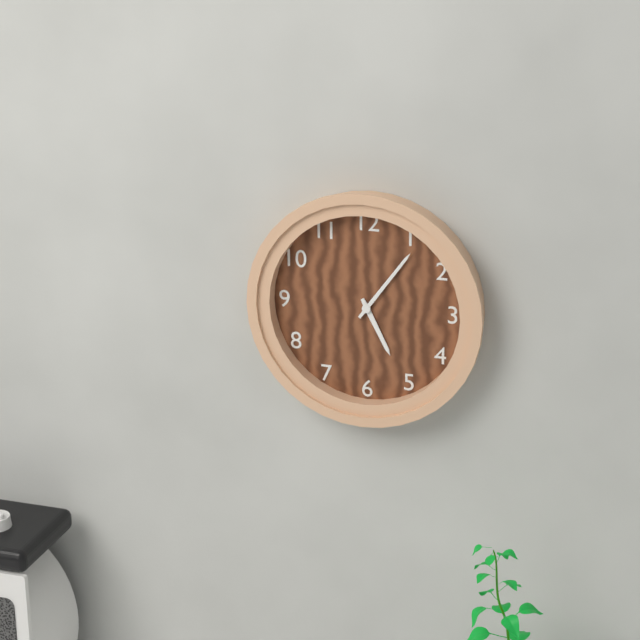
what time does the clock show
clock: 5:06
